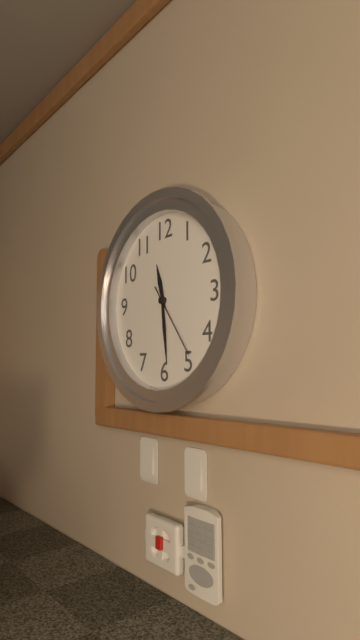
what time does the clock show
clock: 11:29:24
